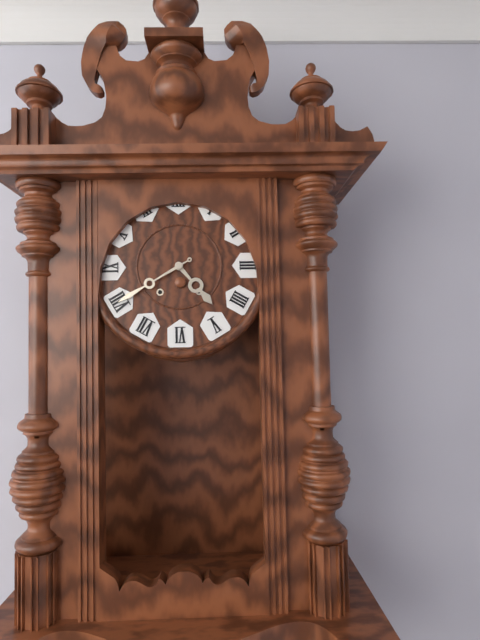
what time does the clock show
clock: 4:40
